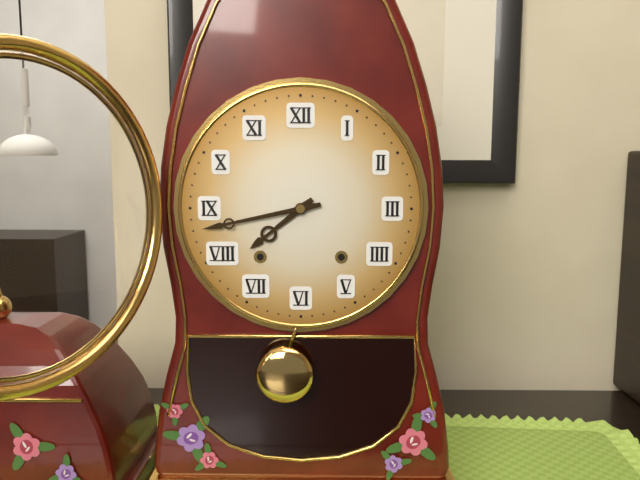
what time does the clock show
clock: 7:43
